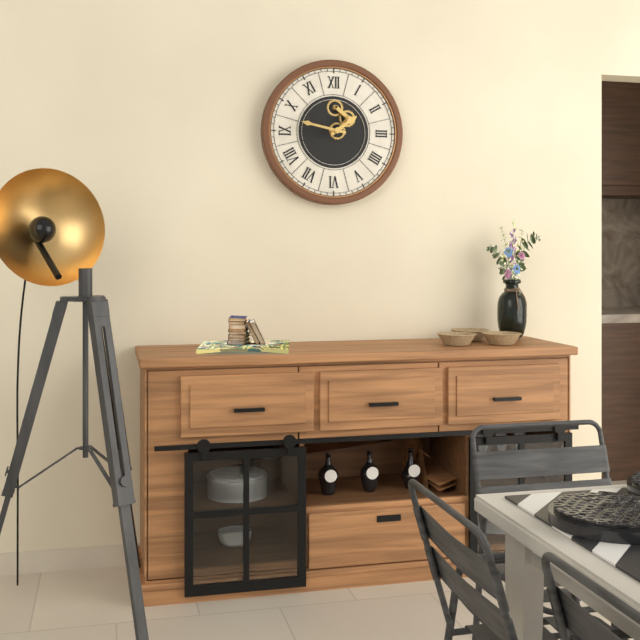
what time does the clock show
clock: 1:47
